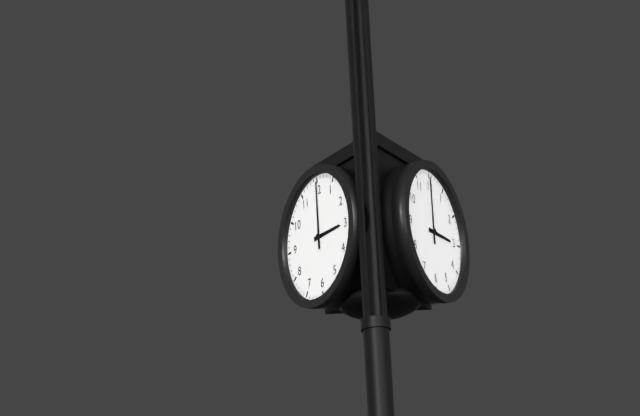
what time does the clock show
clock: 3:00
